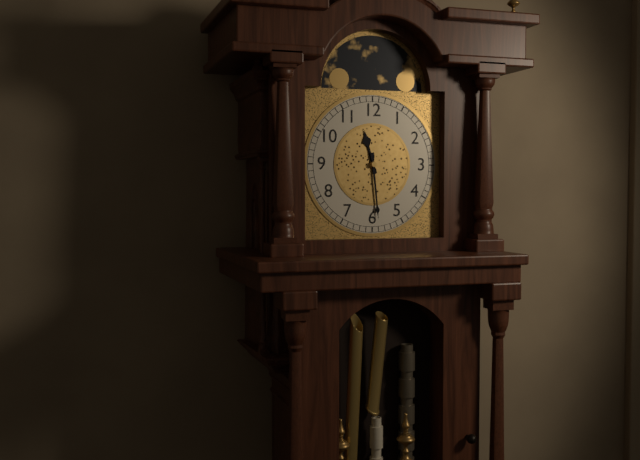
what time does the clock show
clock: 11:29
